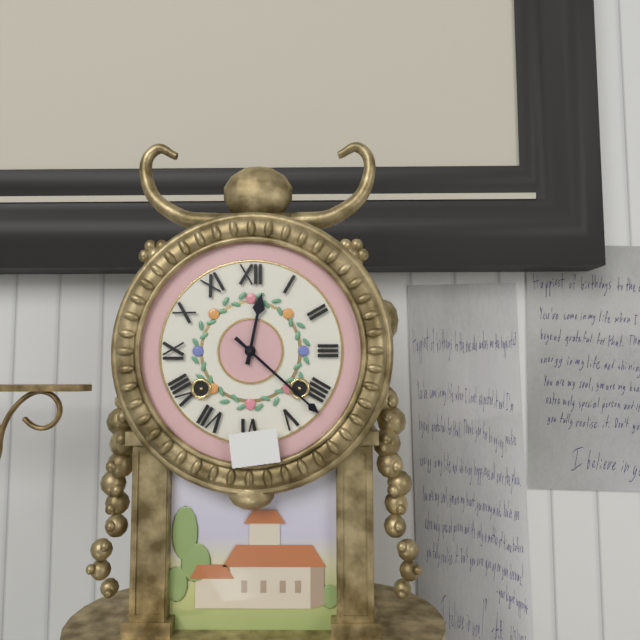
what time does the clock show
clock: 12:22
